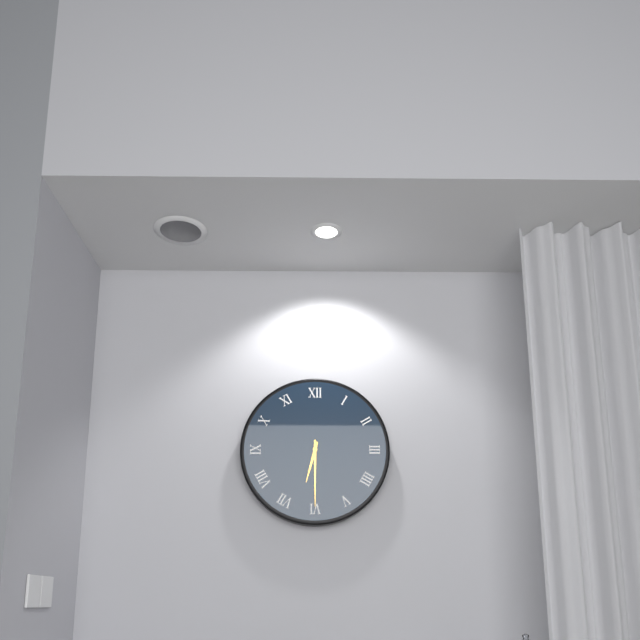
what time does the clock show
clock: 6:30
